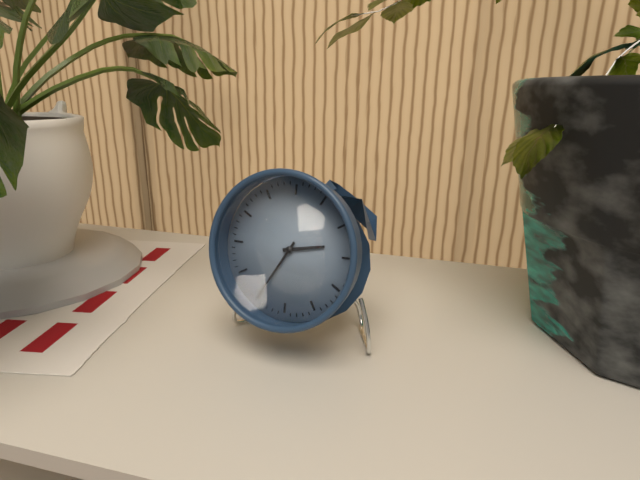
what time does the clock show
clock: 2:35
